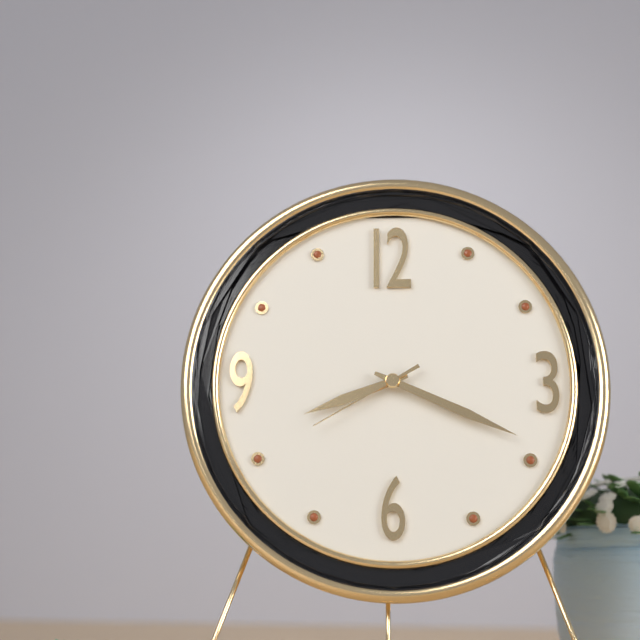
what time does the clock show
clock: 8:19:40
